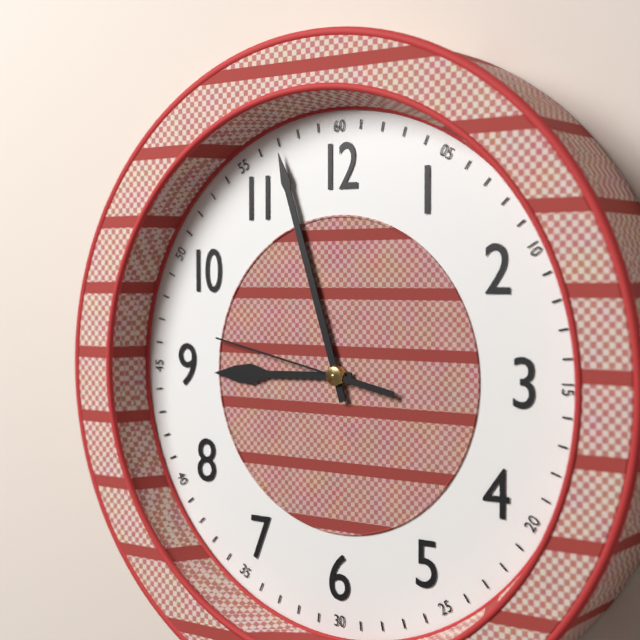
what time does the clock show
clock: 8:57:47
